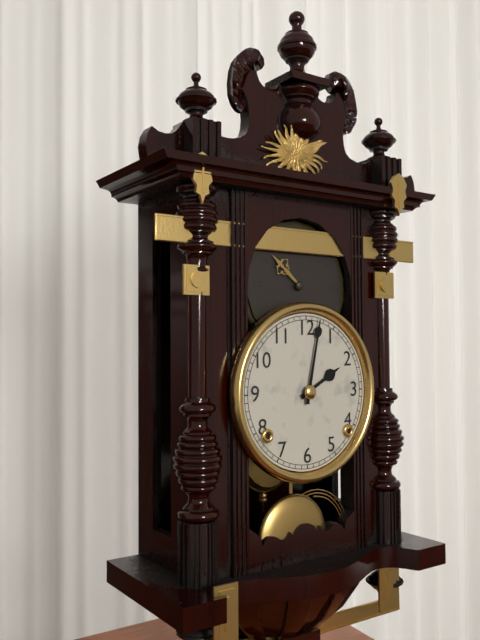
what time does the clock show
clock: 2:02
